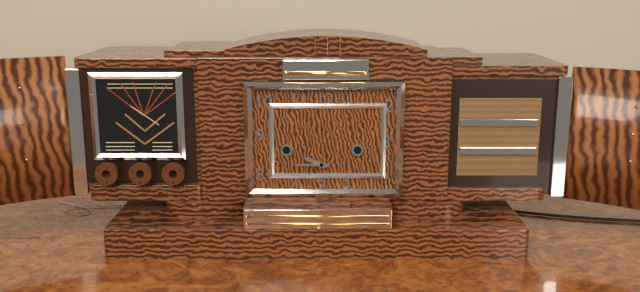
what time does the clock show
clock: 9:45
